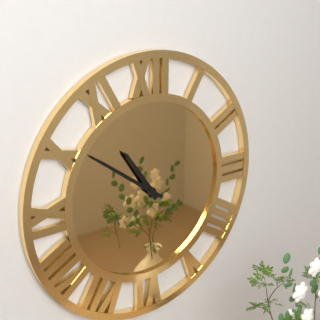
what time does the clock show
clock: 10:51
